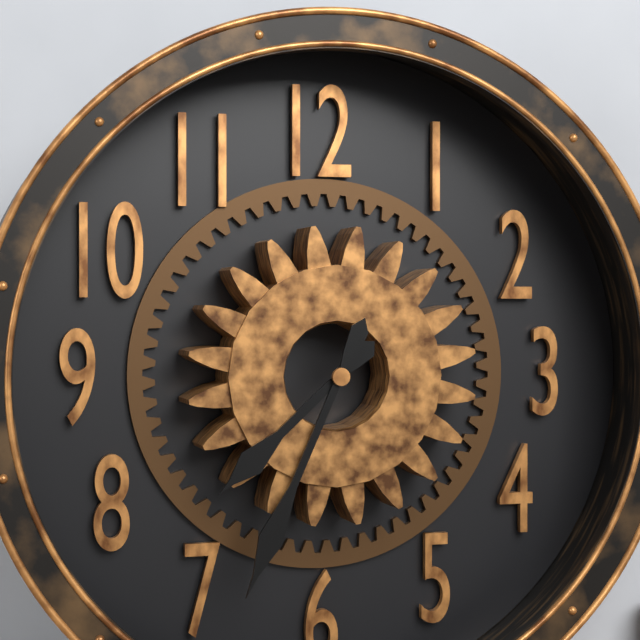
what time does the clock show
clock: 7:34
